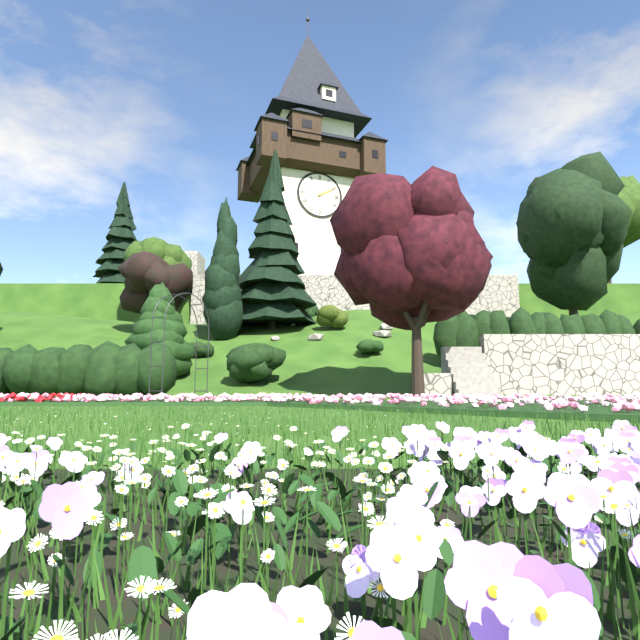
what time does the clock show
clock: 2:10
